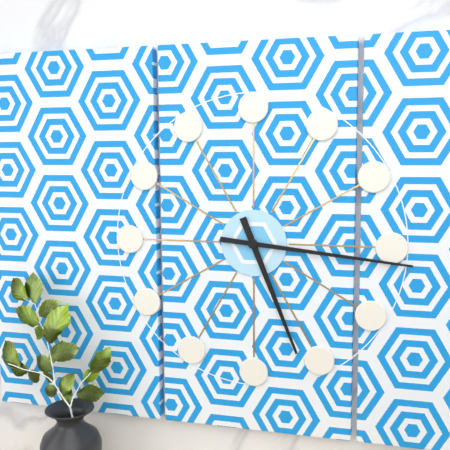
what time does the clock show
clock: 5:16
